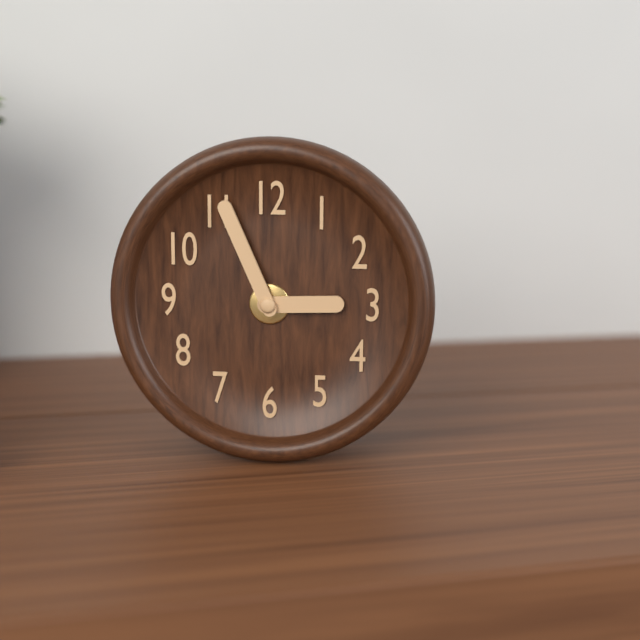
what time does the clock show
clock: 2:56
